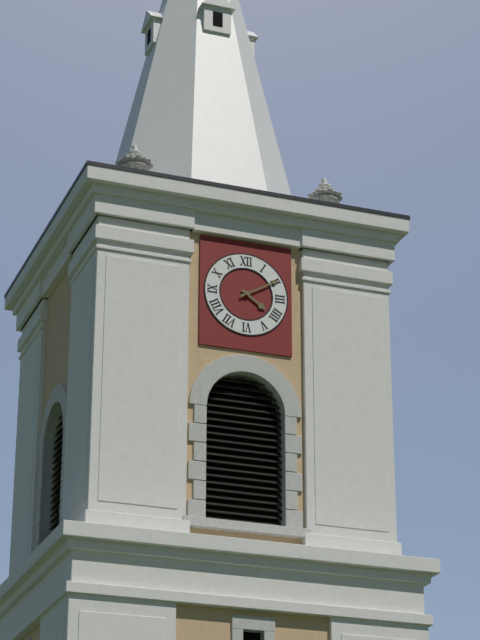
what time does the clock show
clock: 4:10
